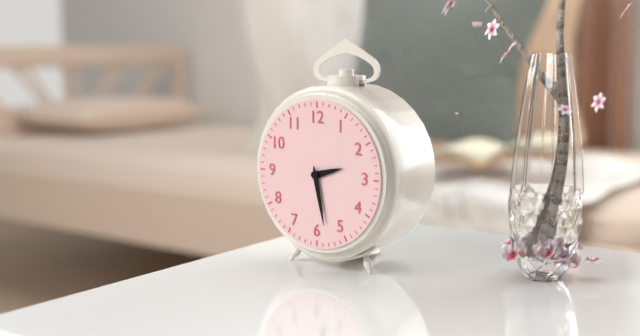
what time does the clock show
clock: 2:28
